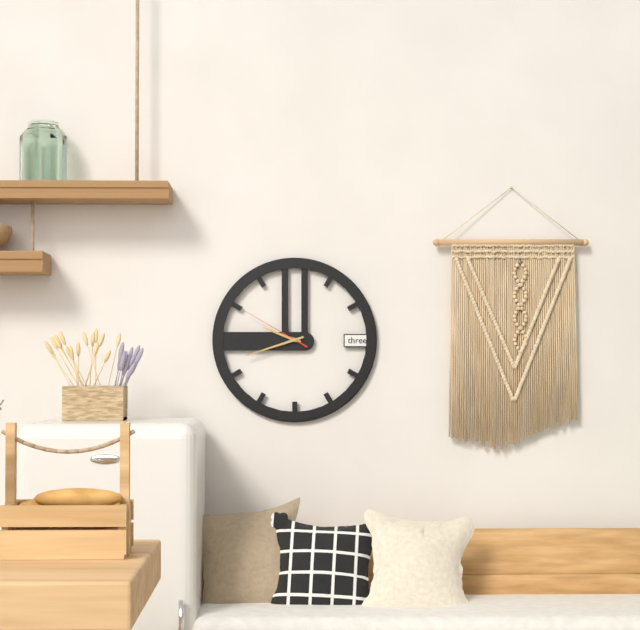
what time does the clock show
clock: 9:42:50
